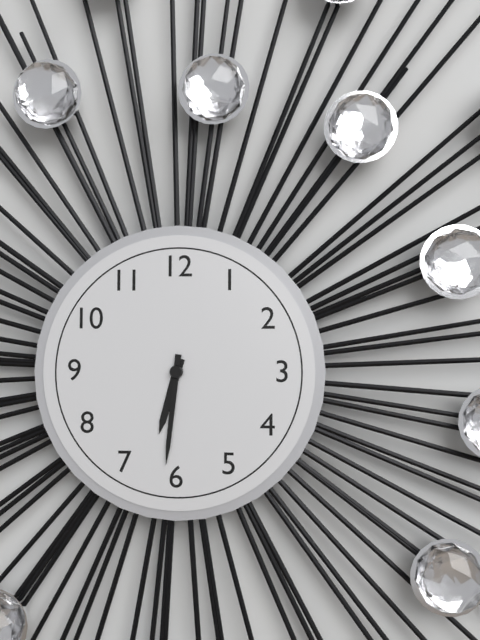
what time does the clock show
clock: 6:31
